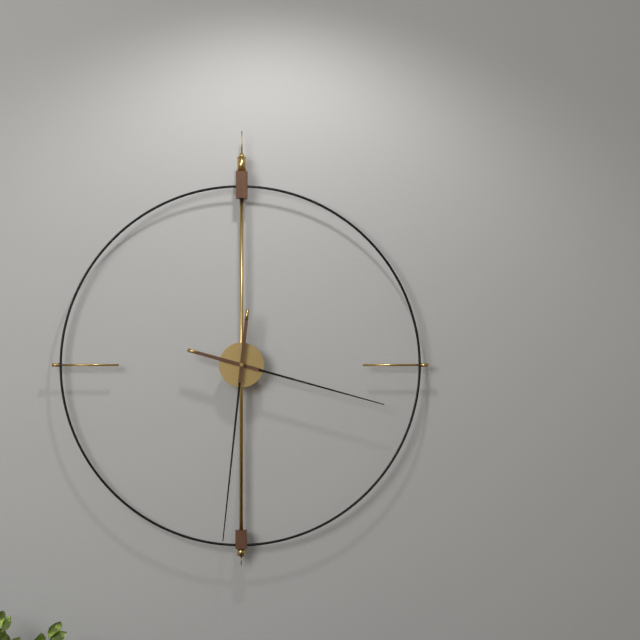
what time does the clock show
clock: 3:31
